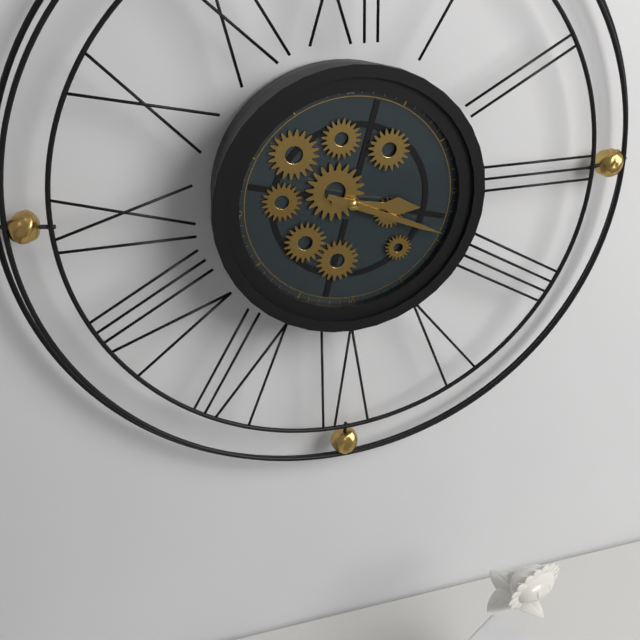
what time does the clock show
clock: 3:19
